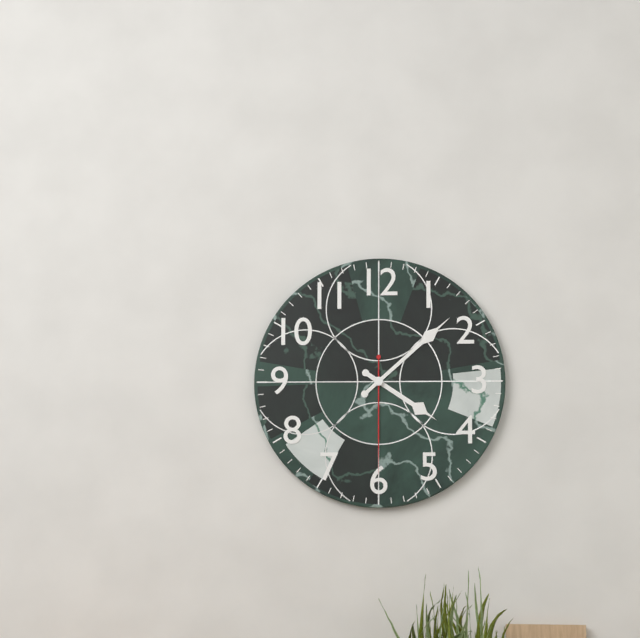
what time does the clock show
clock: 4:08:30
